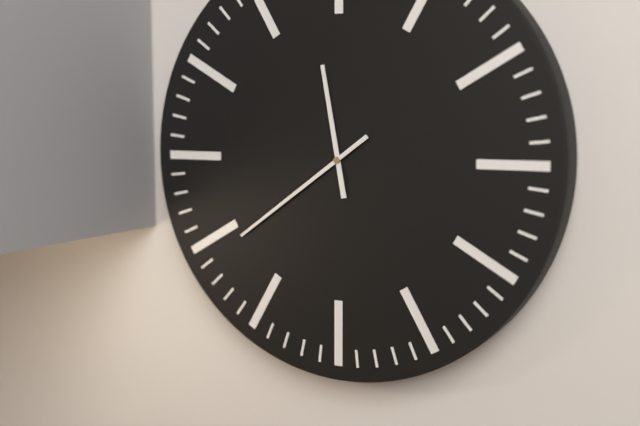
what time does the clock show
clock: 11:39
